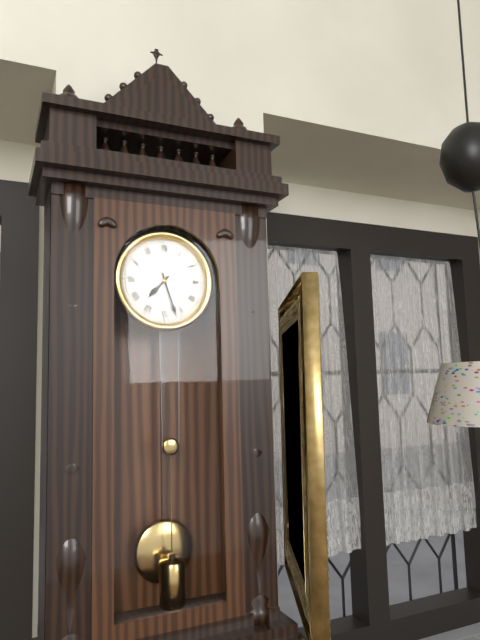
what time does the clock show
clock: 7:27
